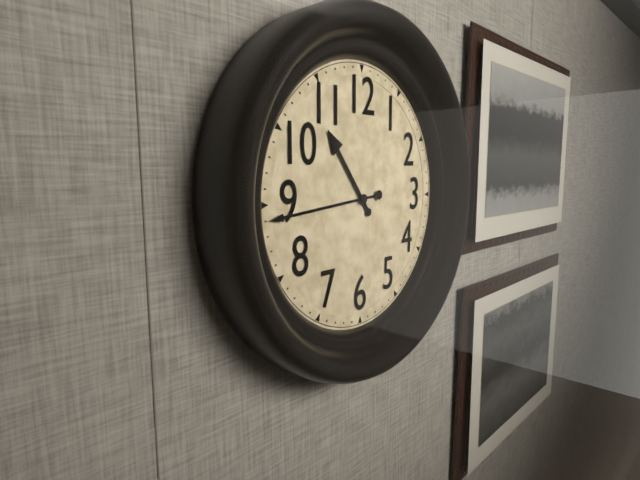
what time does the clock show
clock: 10:44
